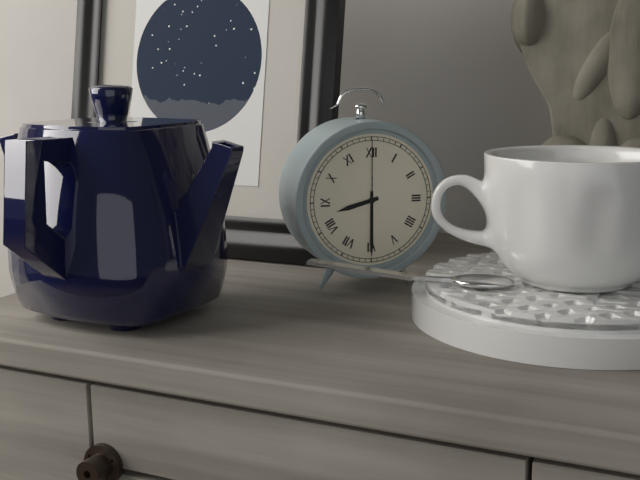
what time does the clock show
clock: 8:30:00
